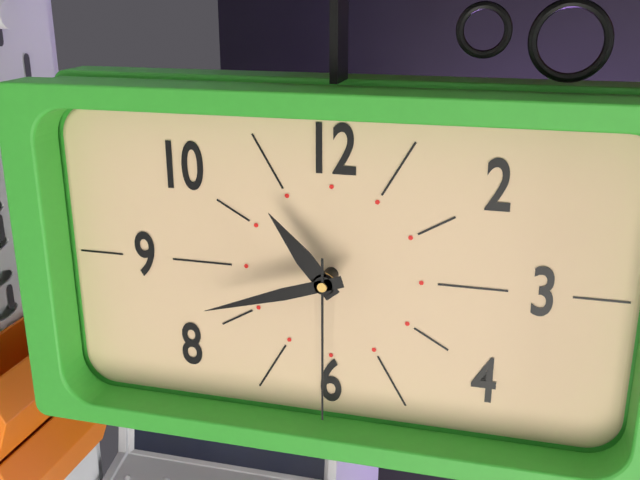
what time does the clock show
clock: 10:42:30
